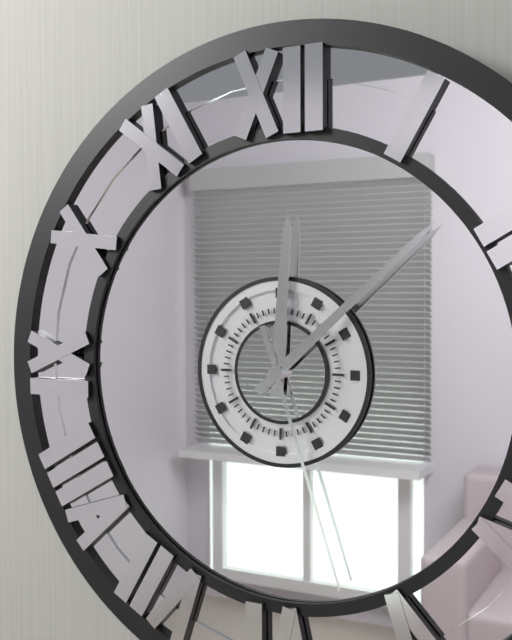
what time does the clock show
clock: 12:08:27
